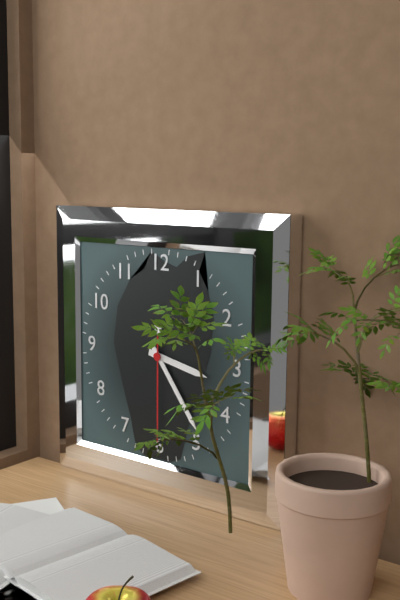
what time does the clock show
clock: 3:24:30
